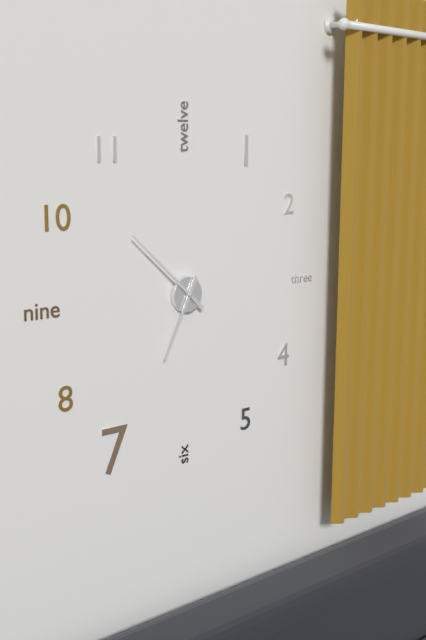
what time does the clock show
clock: 6:52
